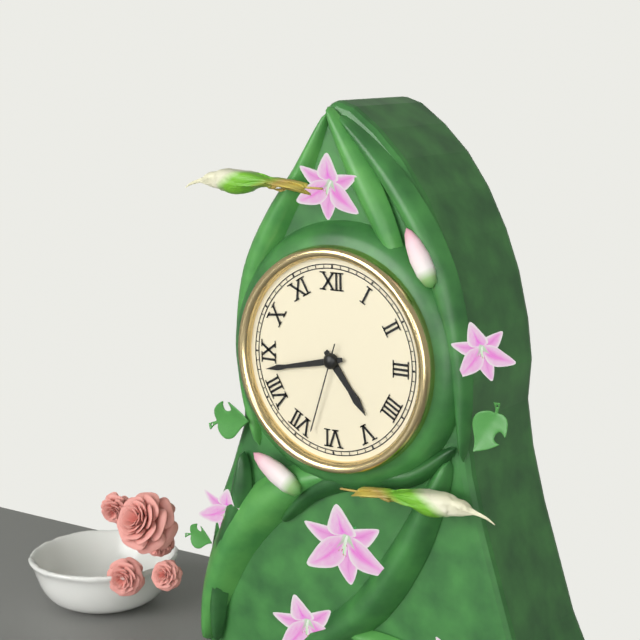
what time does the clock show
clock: 4:43:33
